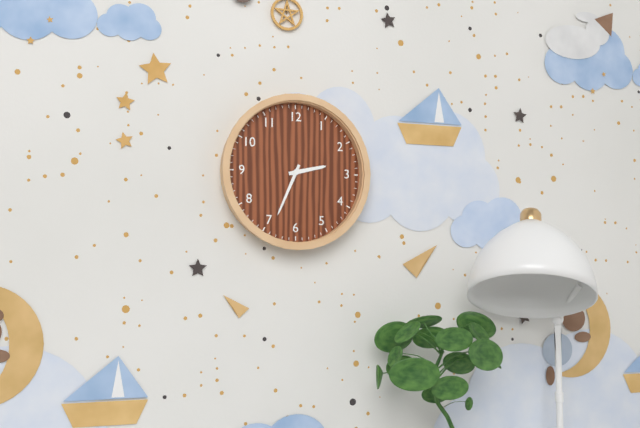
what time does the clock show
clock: 2:34
